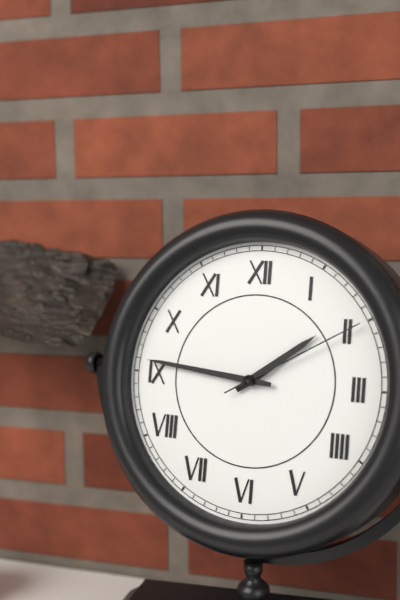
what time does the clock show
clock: 1:46:10
